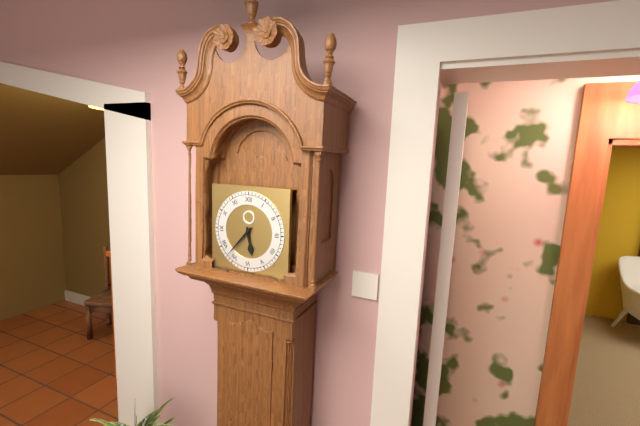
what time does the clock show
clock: 5:37
